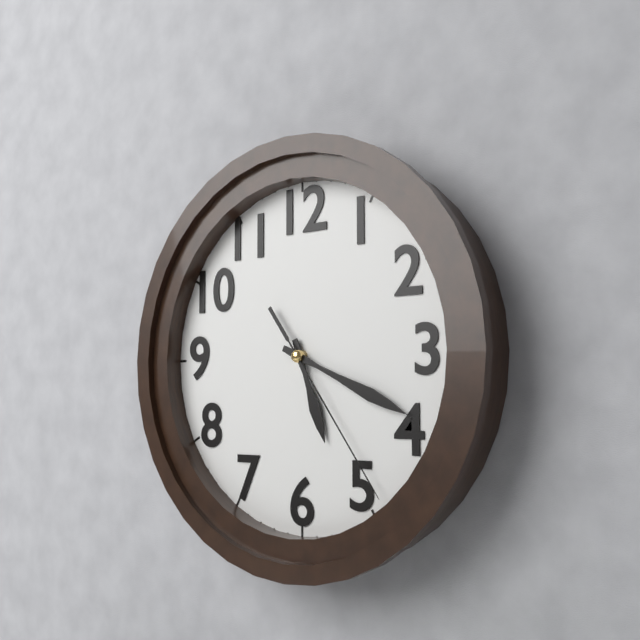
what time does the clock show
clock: 5:19:24
